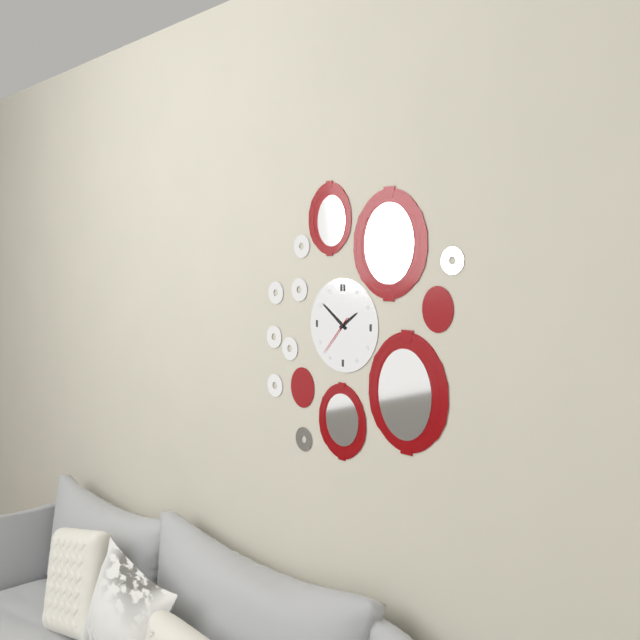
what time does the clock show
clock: 1:51
